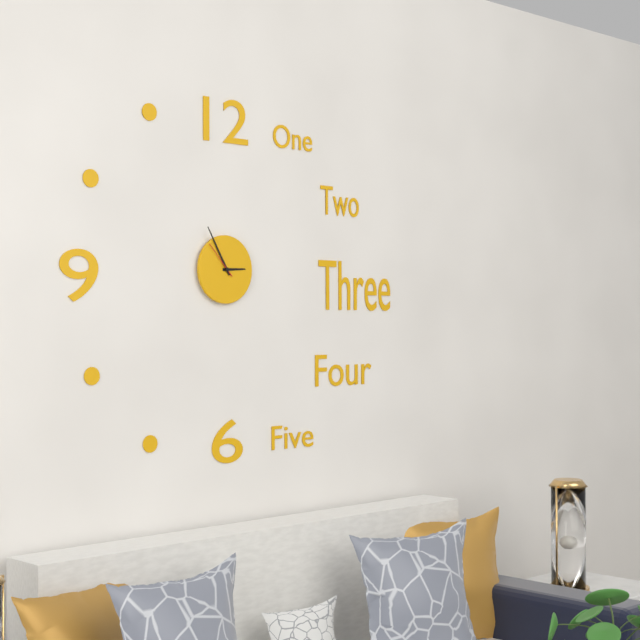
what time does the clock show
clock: 2:55
